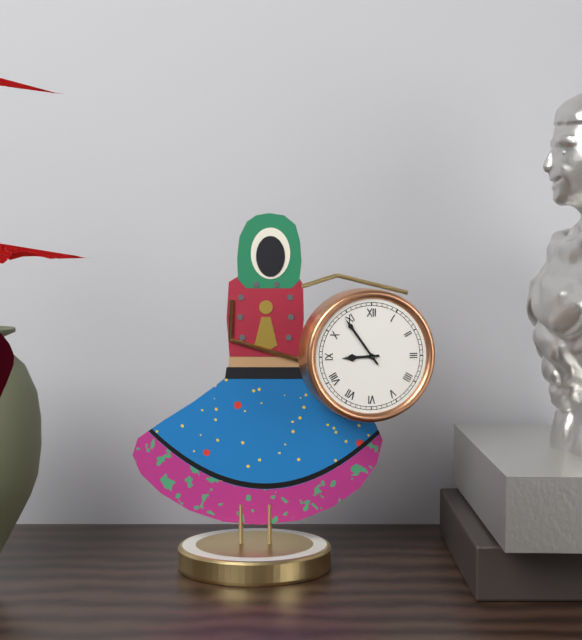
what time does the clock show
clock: 8:54
